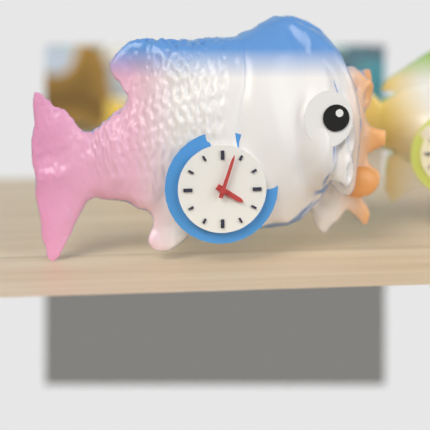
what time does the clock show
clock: 4:03
